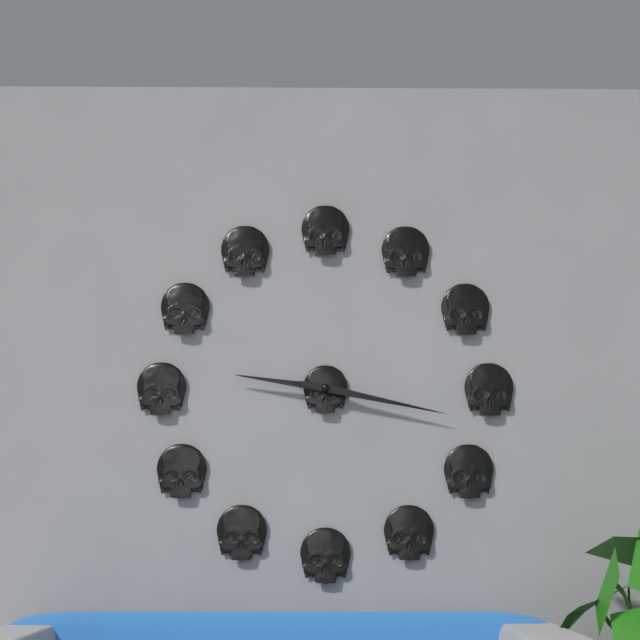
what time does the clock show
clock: 9:17
